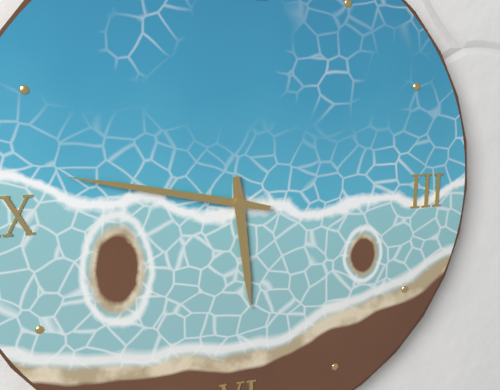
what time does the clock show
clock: 5:47
